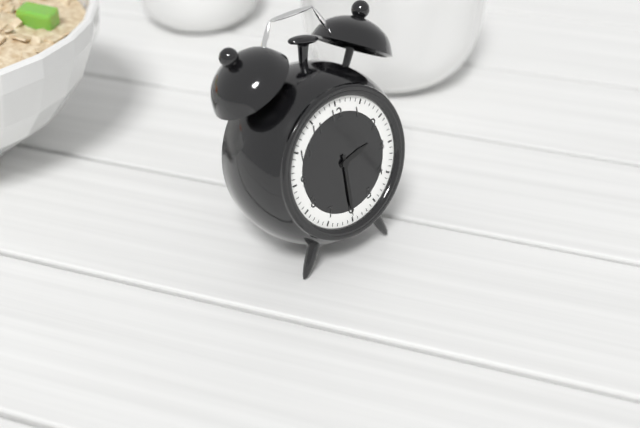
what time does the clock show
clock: 2:30
